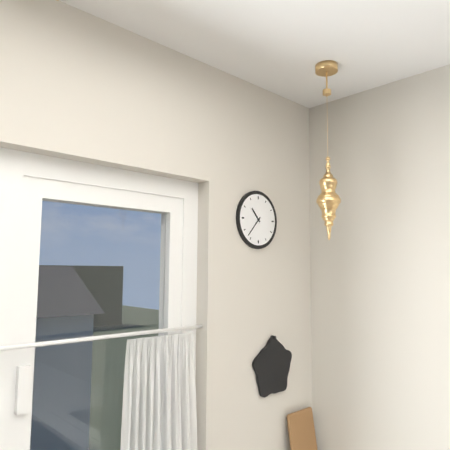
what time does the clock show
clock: 10:37
